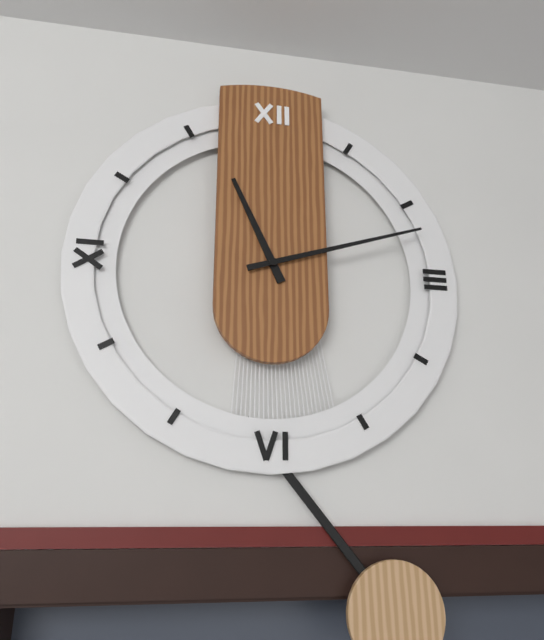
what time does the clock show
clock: 11:12
